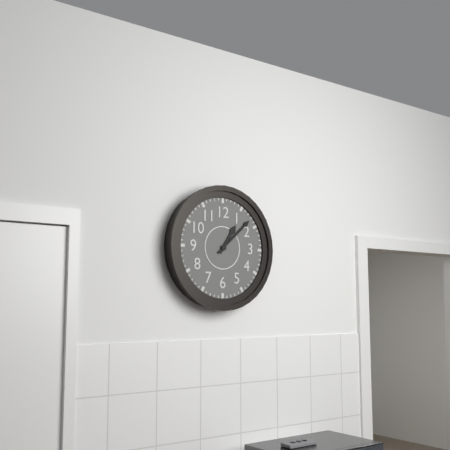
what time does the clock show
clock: 1:08
